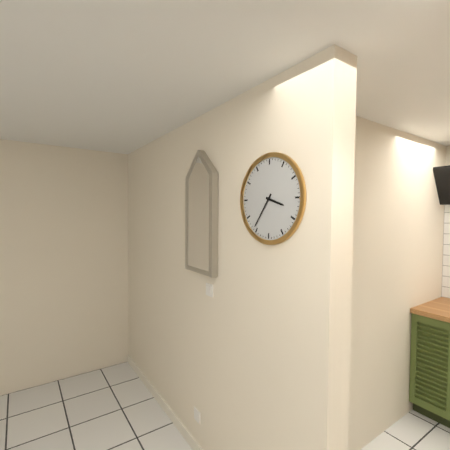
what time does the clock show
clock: 3:36
